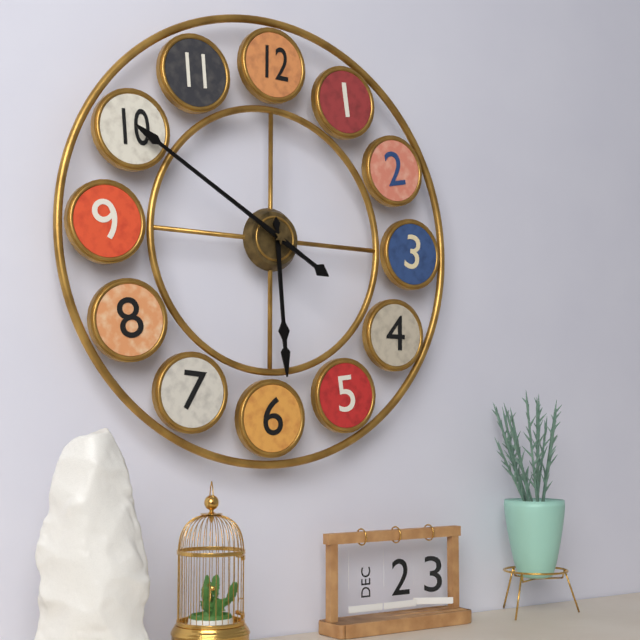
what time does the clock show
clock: 5:50
